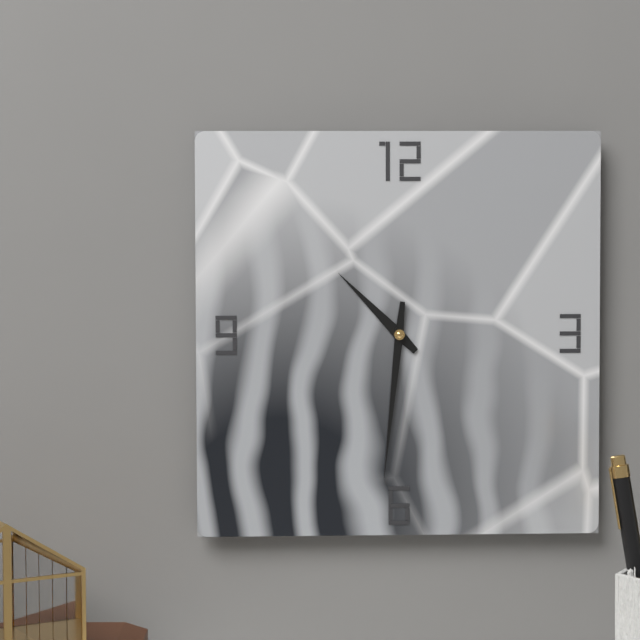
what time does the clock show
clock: 10:31
